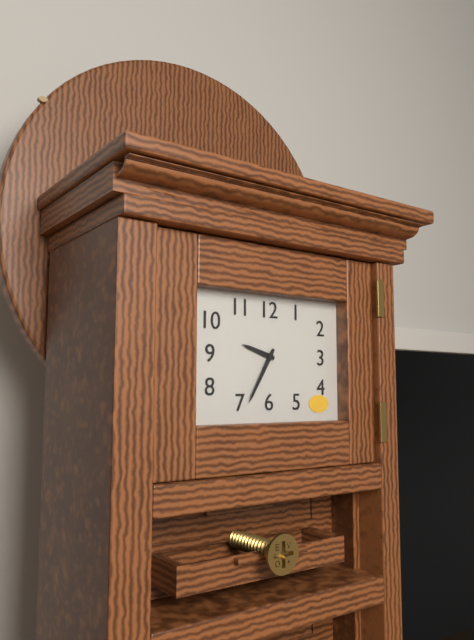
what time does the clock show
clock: 9:35
